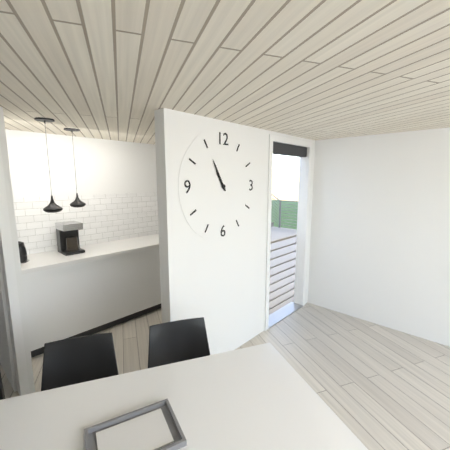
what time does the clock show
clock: 10:55
